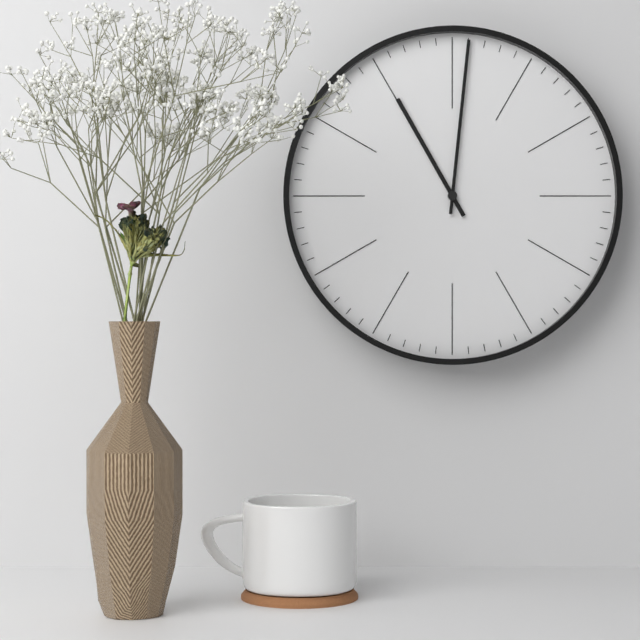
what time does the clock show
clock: 11:01
